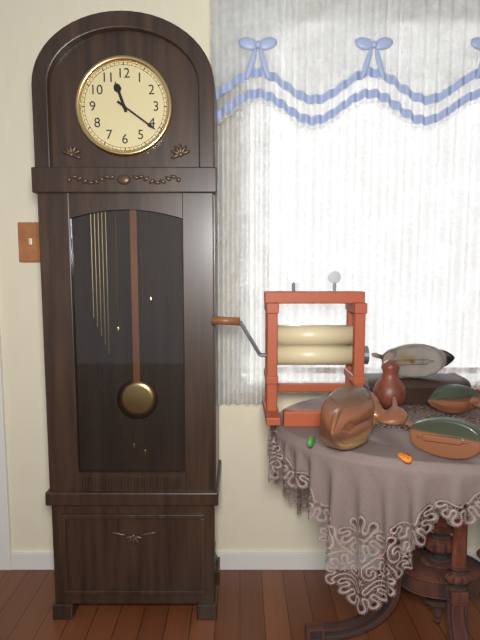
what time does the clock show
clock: 11:21
